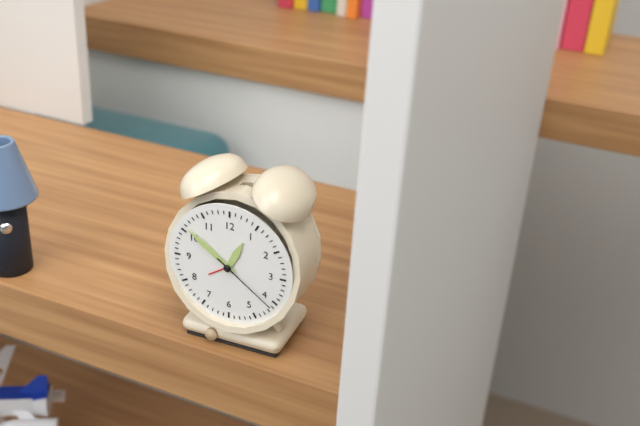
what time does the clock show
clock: 12:51:21
